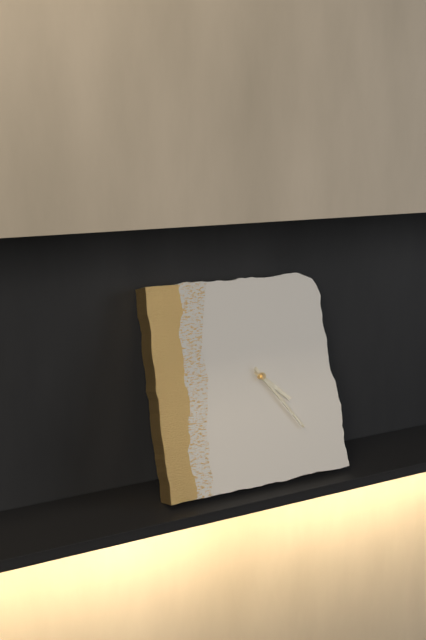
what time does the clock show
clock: 4:24
